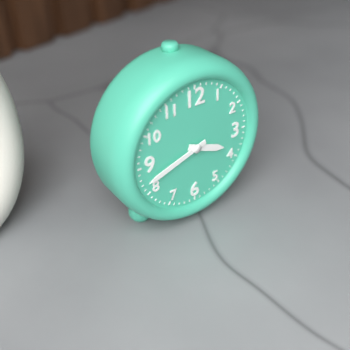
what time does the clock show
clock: 3:42
